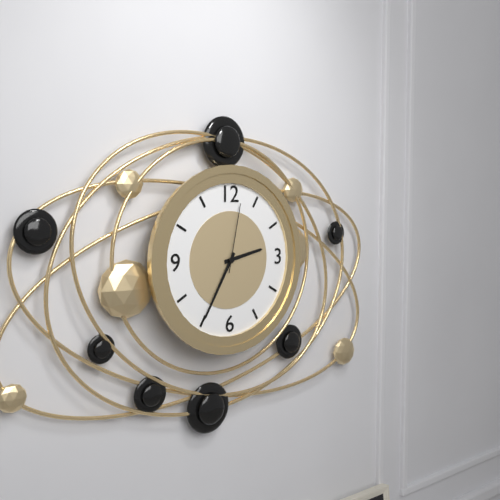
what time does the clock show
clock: 2:35:02
